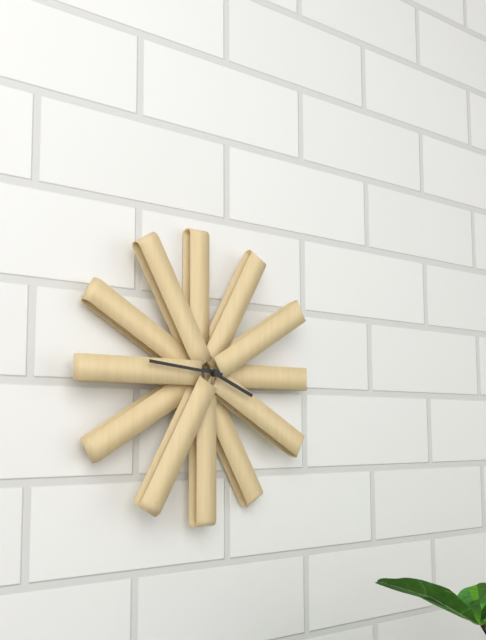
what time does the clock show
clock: 3:46
